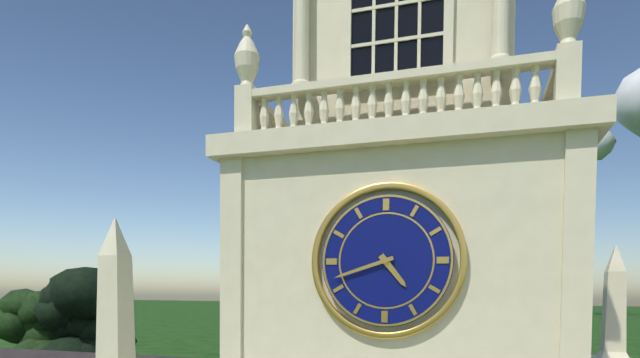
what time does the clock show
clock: 4:42
